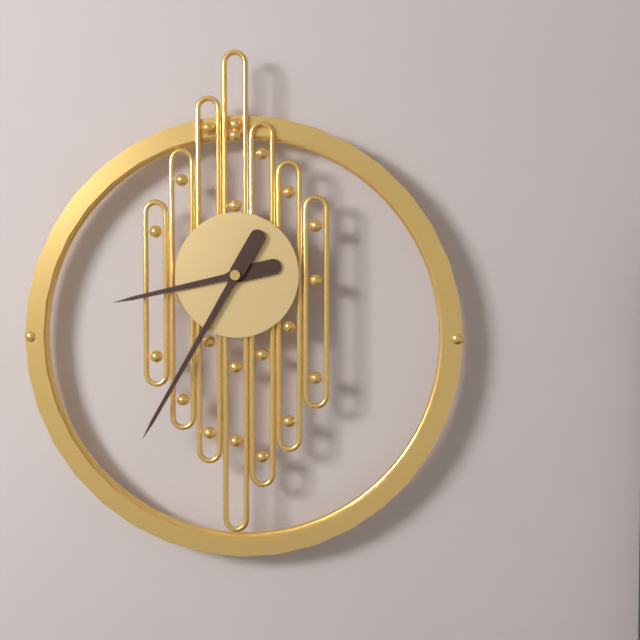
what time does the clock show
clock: 8:35
